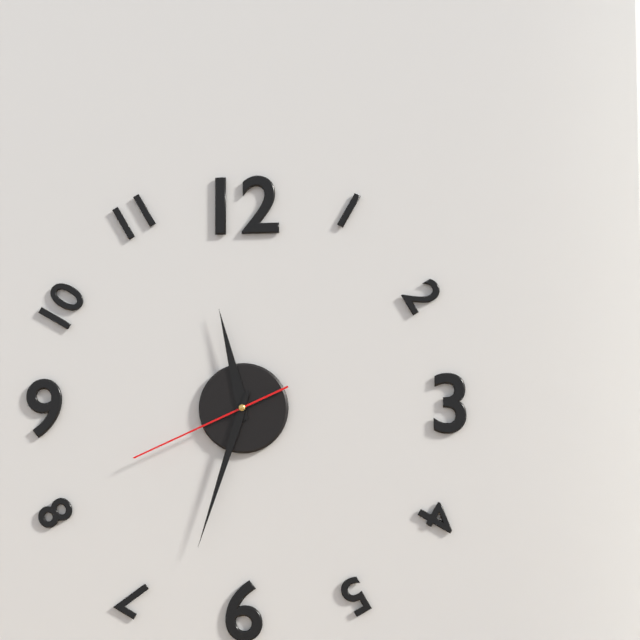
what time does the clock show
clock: 11:33:41
